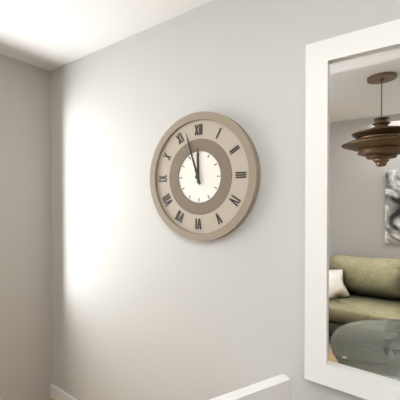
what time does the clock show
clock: 11:57
